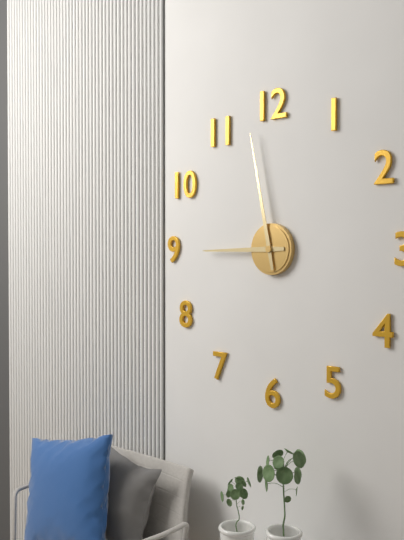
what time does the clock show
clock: 8:58
